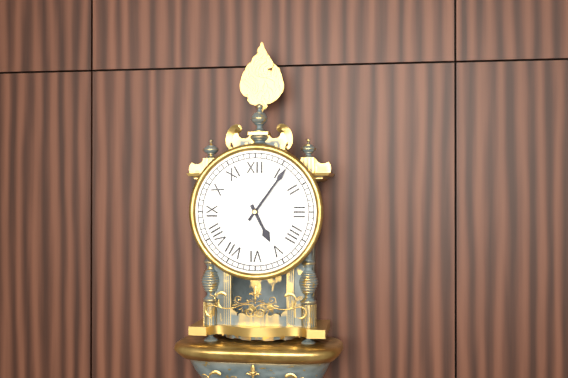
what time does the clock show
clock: 5:06
